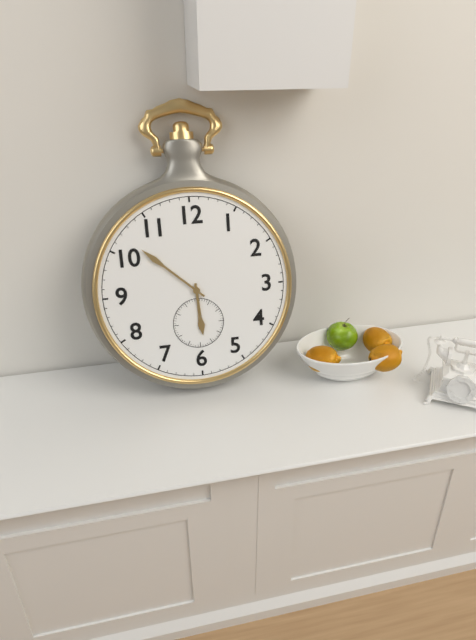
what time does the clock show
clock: 5:52
